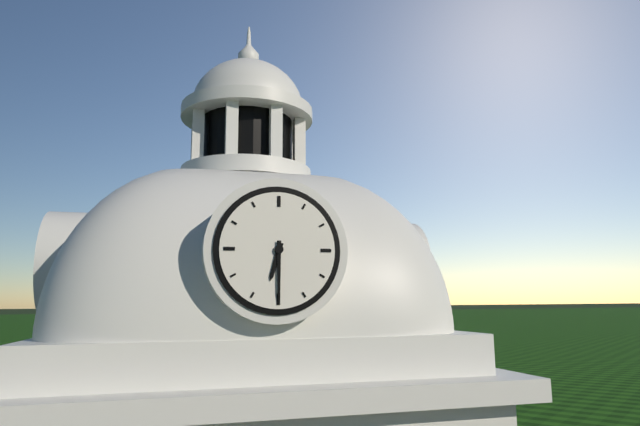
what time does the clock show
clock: 6:30
